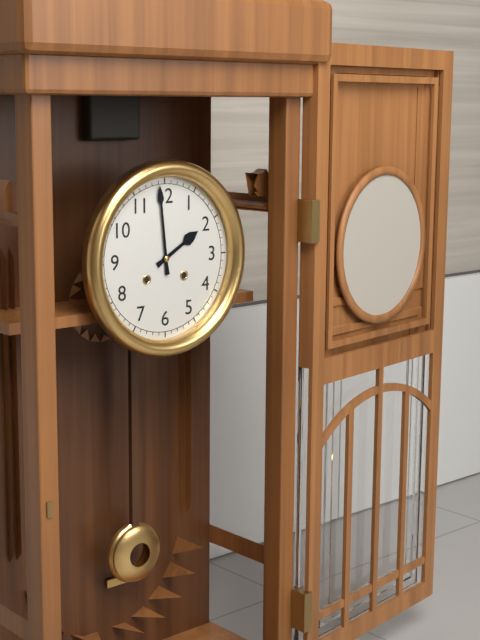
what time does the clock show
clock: 1:59
